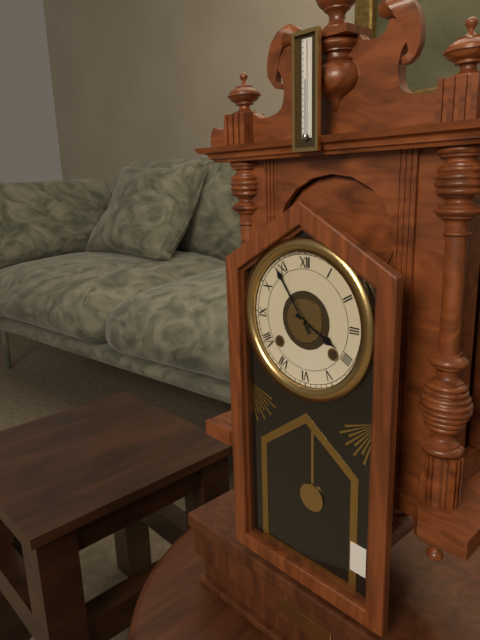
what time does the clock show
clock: 3:54
